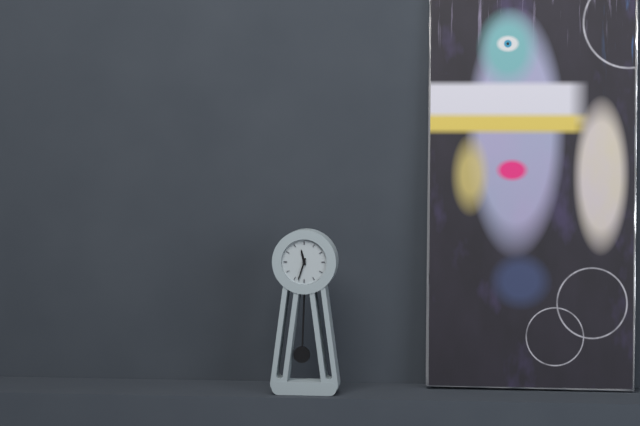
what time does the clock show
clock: 11:33
